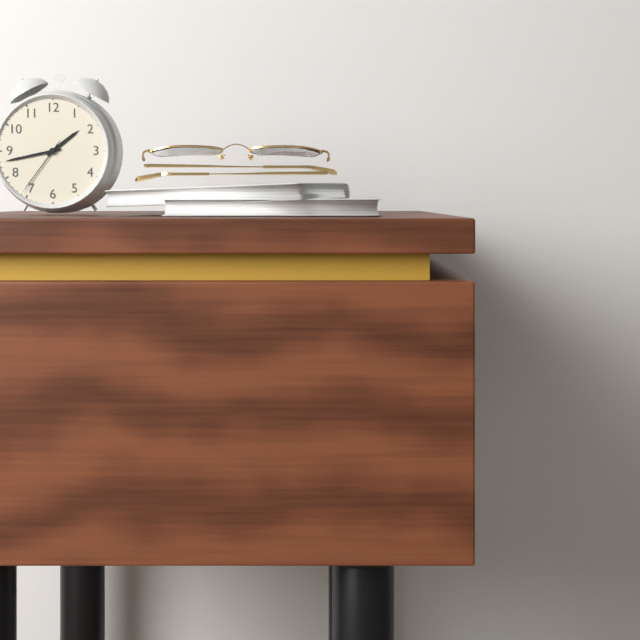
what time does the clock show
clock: 1:43:36
